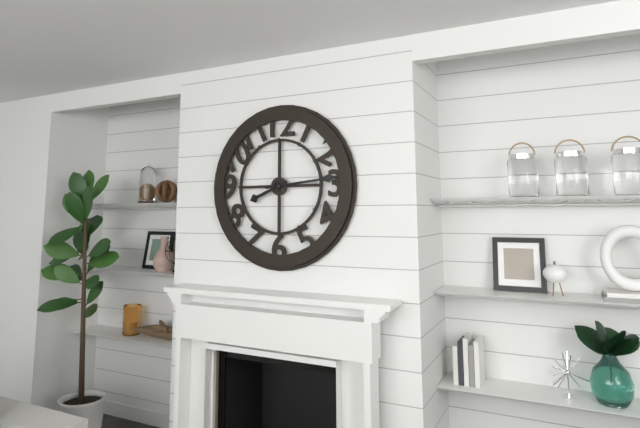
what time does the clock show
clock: 8:14
